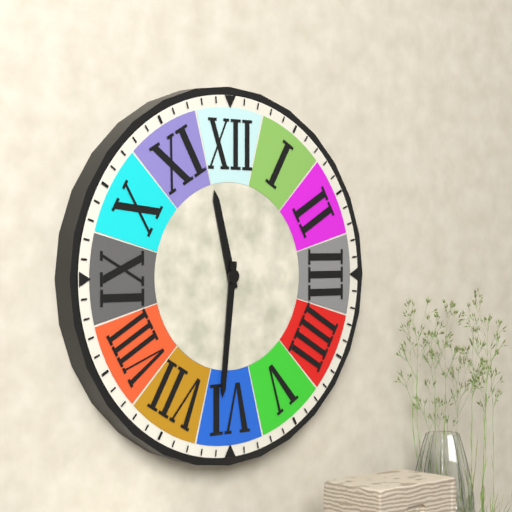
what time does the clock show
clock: 11:31
